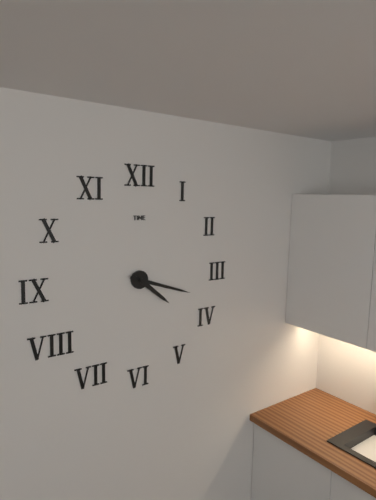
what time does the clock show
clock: 4:18
